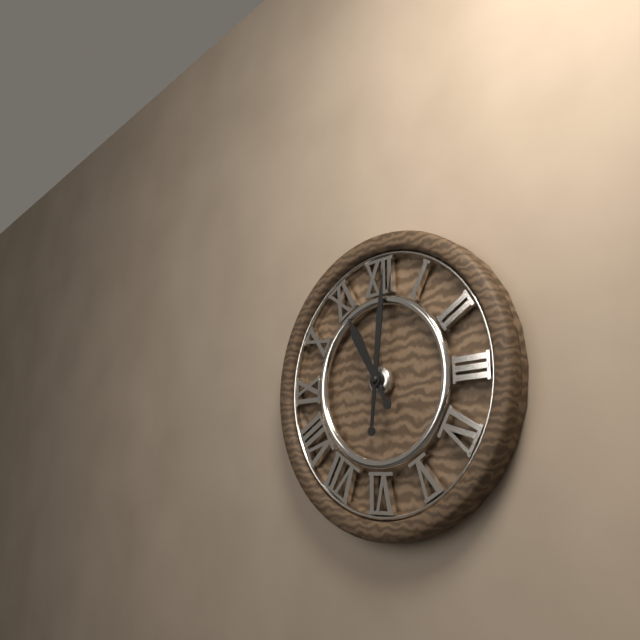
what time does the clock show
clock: 11:01
